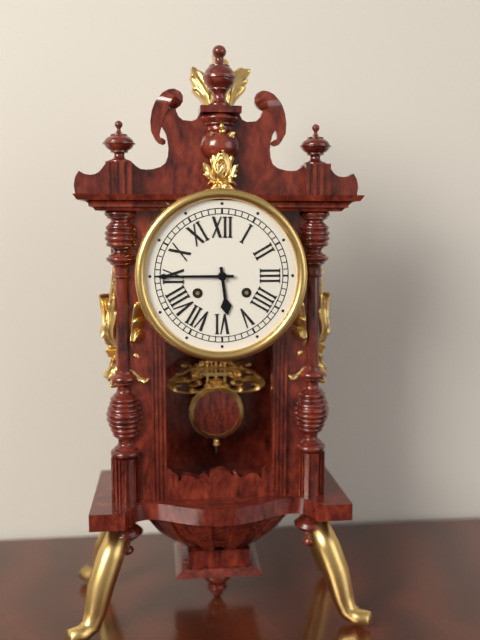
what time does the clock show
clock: 5:45
